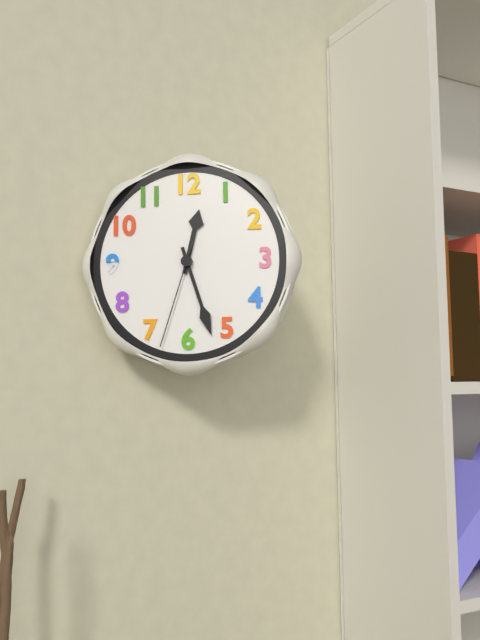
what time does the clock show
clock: 12:27:33
